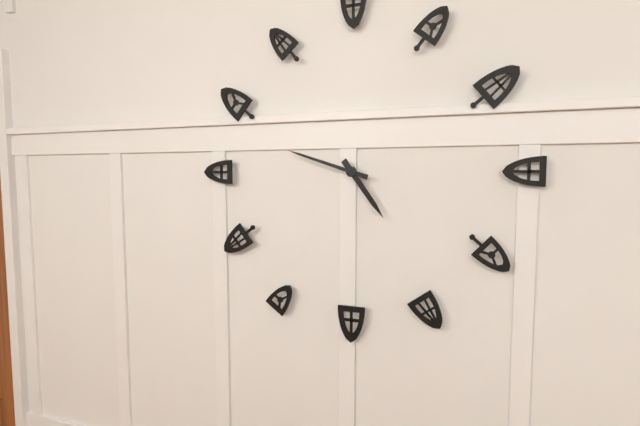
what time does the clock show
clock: 4:48
